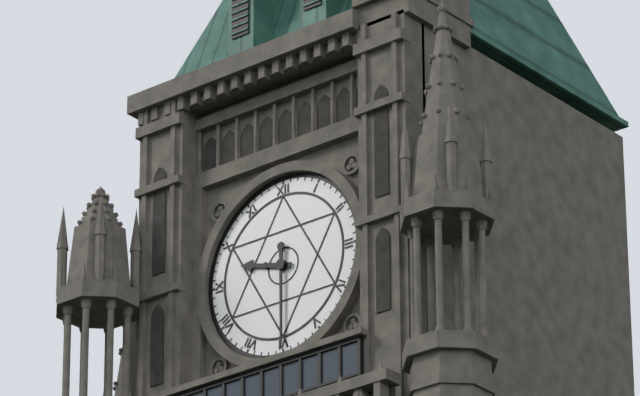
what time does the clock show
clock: 9:30
